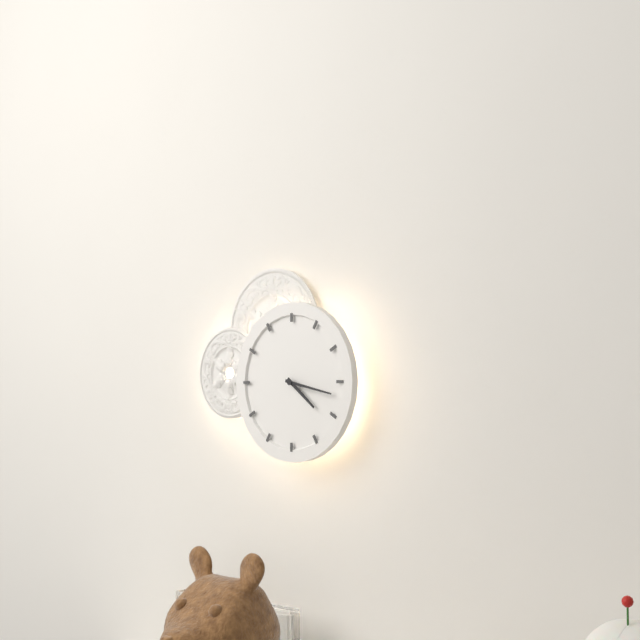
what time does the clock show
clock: 4:17
